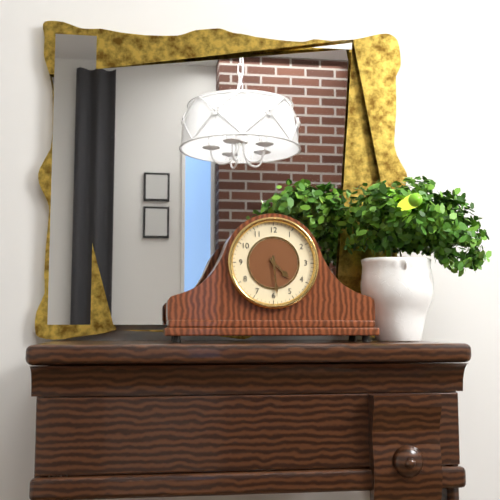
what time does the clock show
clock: 4:29
